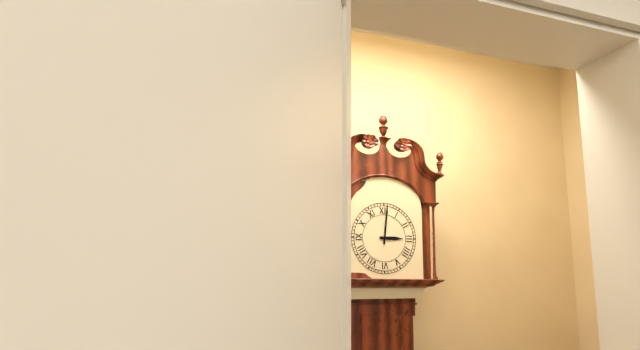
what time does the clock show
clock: 3:01
